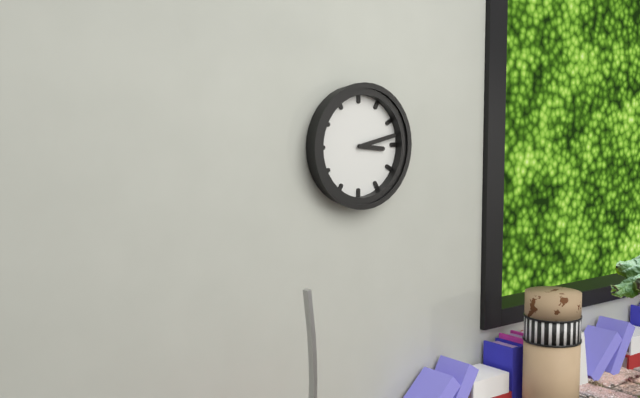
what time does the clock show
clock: 3:13
